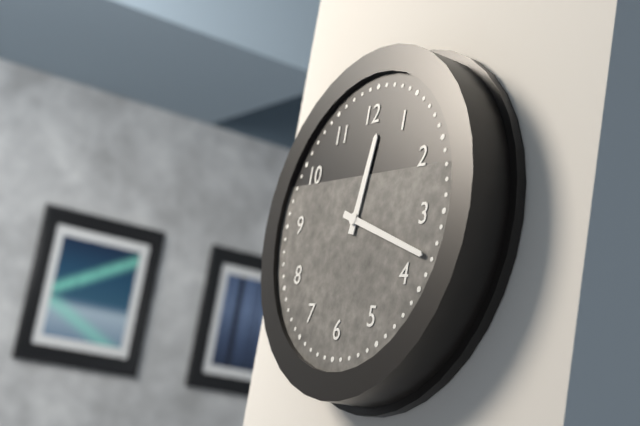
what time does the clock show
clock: 12:18
